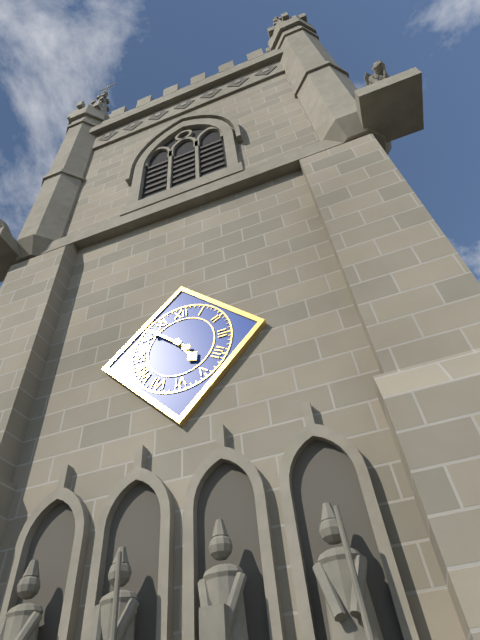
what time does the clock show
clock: 4:52
